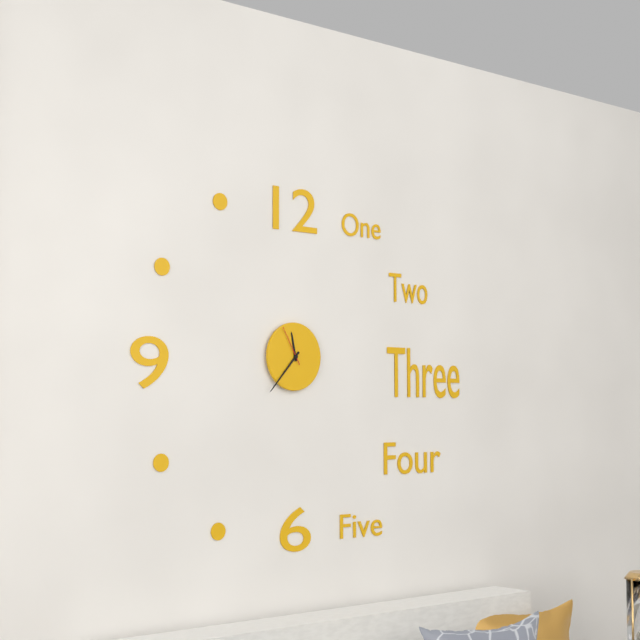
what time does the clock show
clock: 11:37
